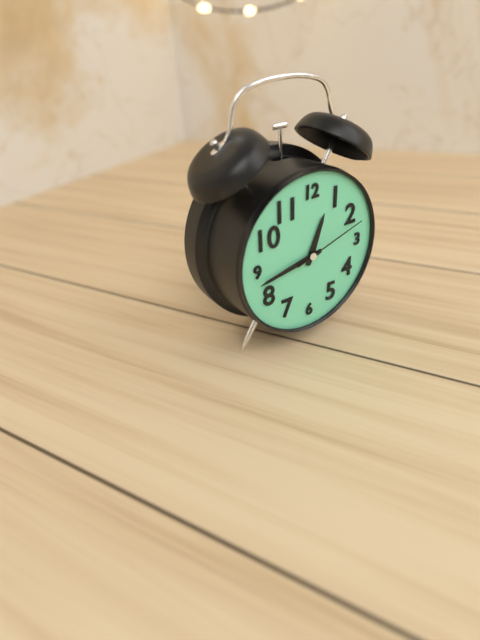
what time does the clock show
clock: 12:43:12
